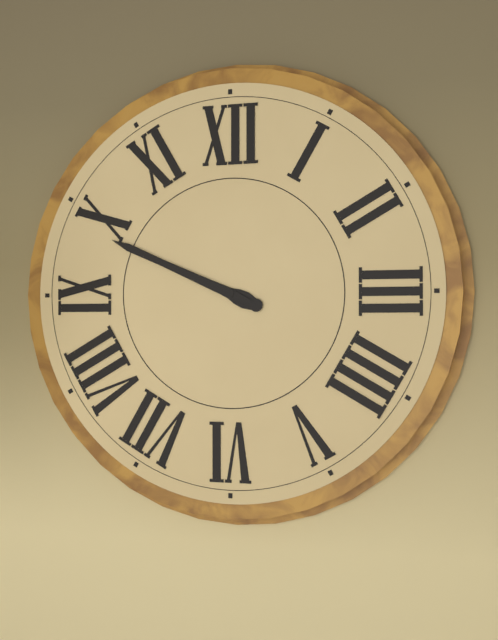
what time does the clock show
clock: 9:49
